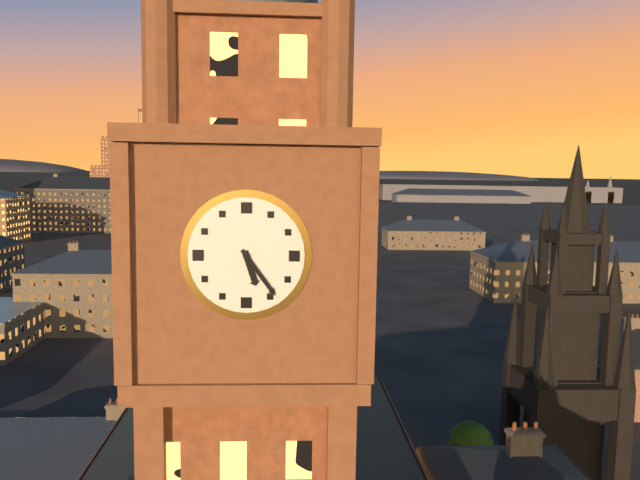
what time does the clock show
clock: 5:24
